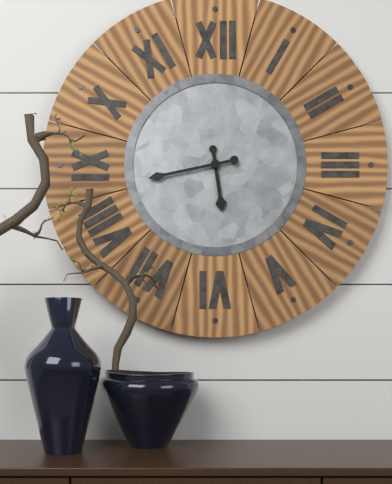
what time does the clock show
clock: 5:43
